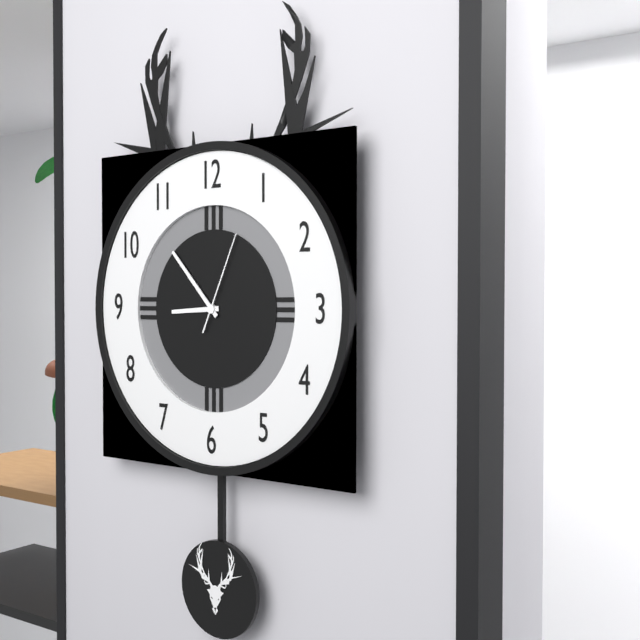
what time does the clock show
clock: 8:53:04
